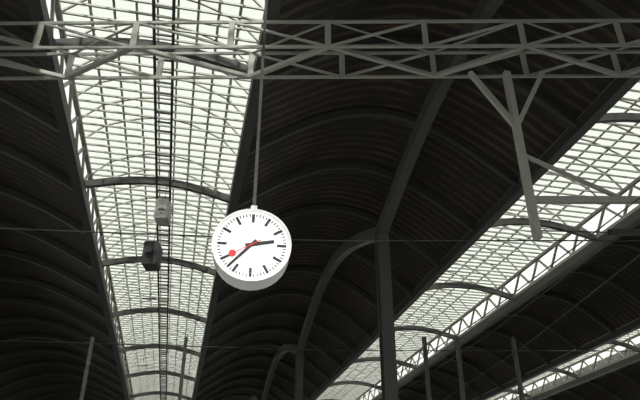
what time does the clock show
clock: 2:37
